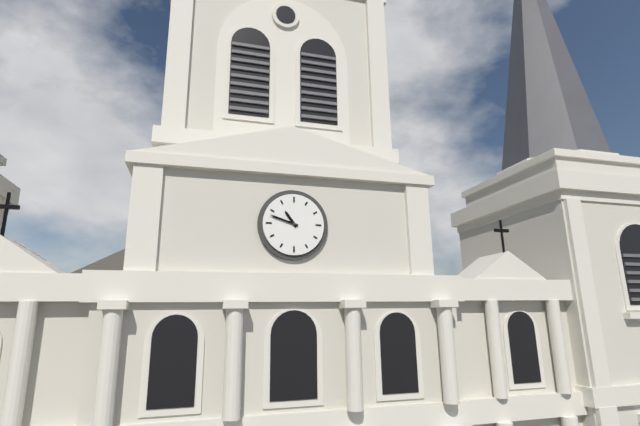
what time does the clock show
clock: 10:48
